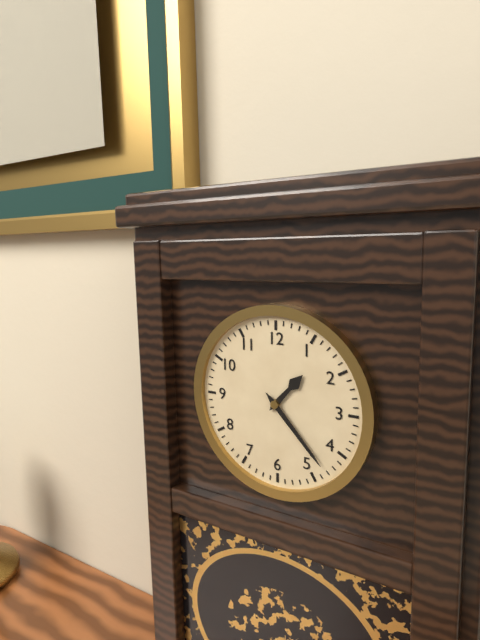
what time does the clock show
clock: 1:23
